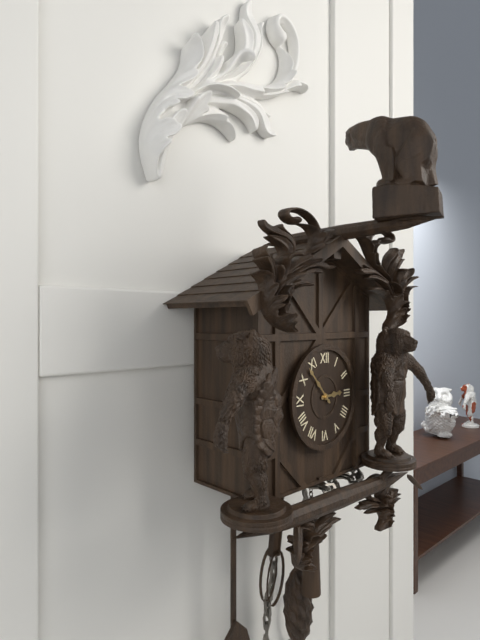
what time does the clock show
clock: 2:53
